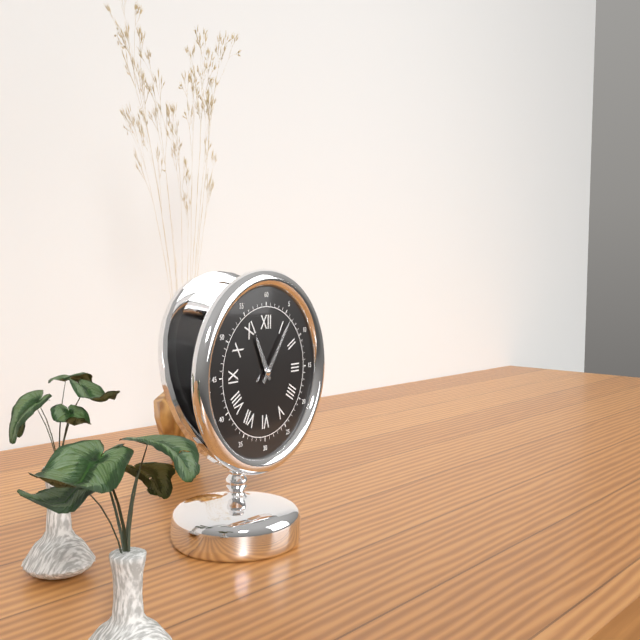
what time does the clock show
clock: 11:06
